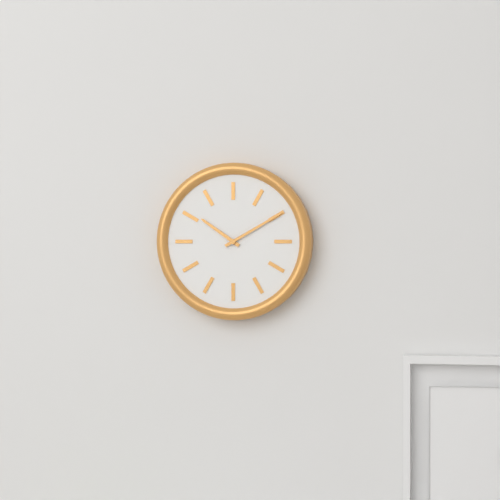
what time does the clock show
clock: 10:10
